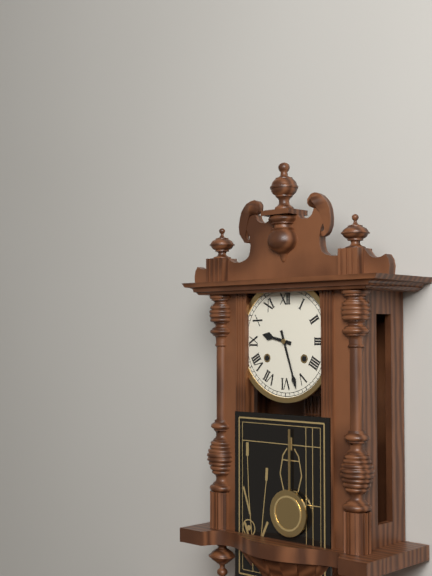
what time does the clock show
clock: 9:27
